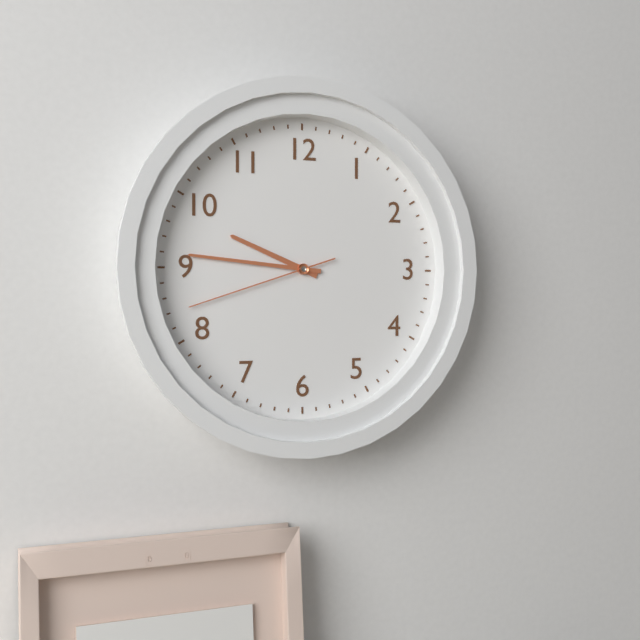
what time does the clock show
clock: 9:46:42
